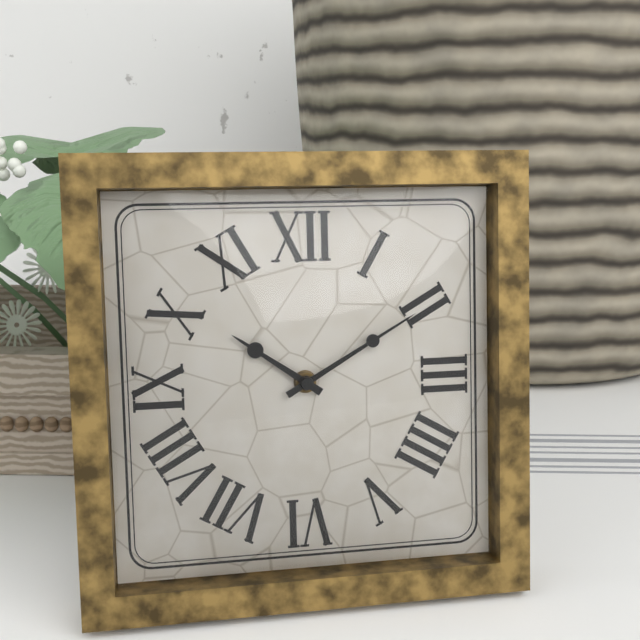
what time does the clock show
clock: 10:10
